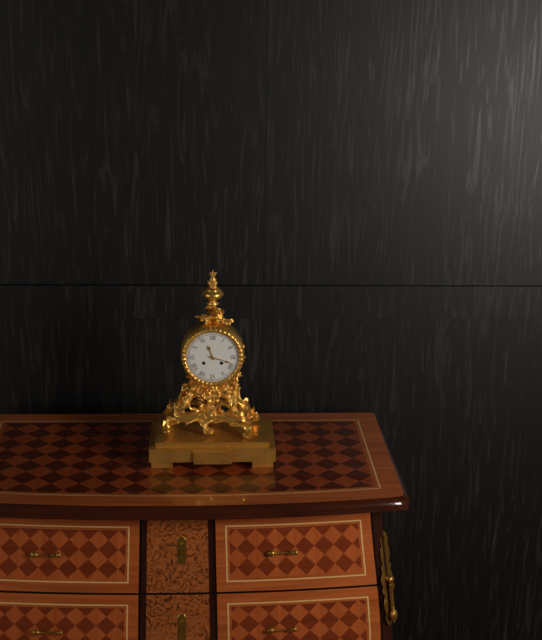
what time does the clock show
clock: 11:18
